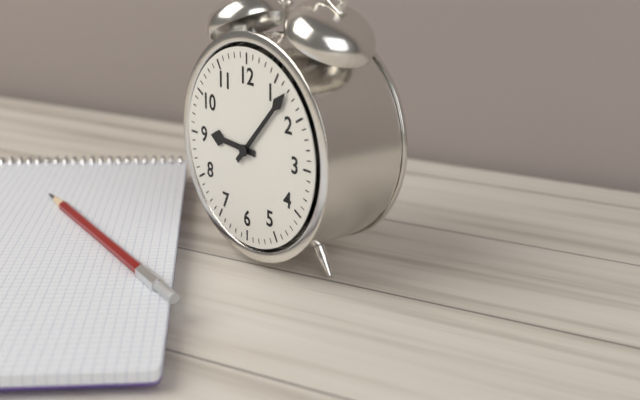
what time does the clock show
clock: 9:07
